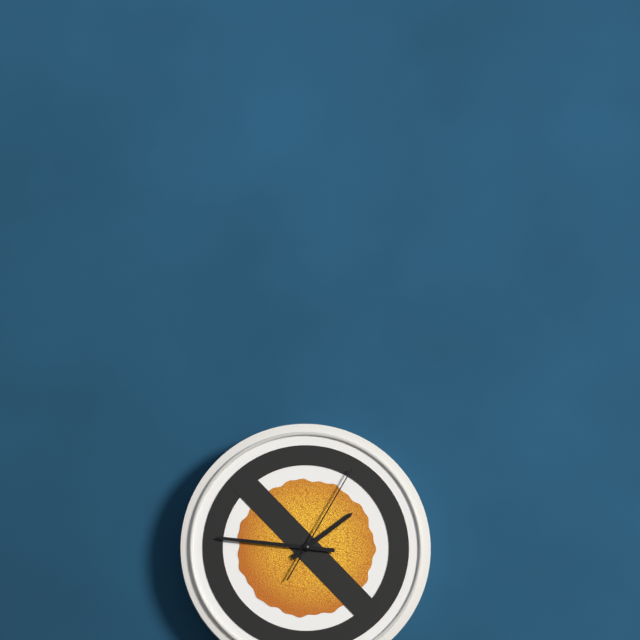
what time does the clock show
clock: 1:46:05
